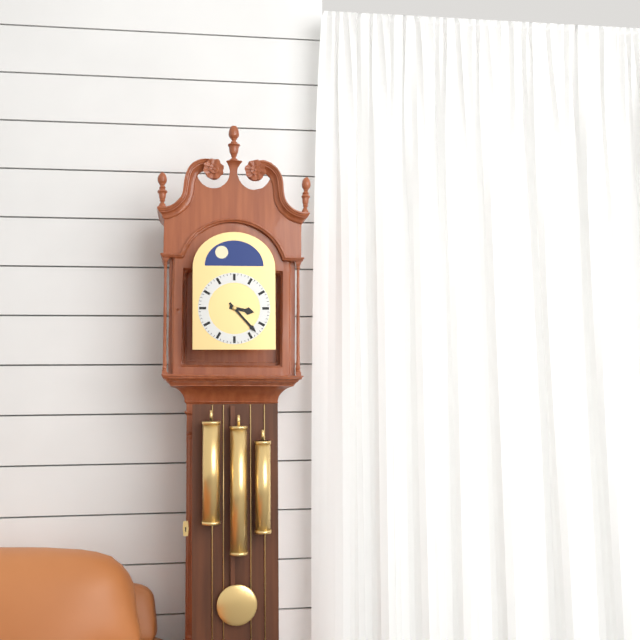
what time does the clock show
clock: 3:23
